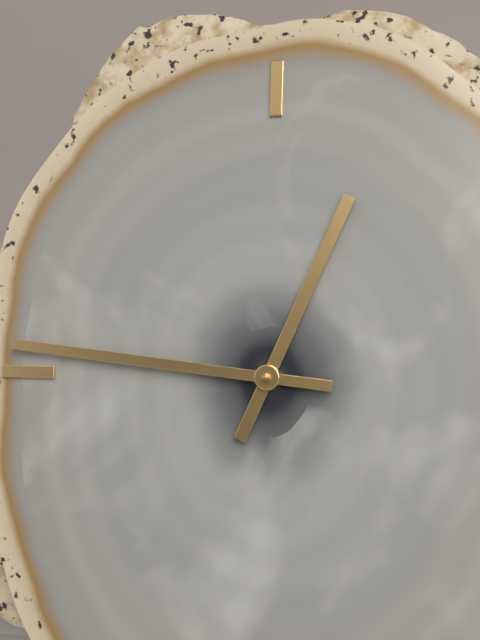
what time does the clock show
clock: 12:46
